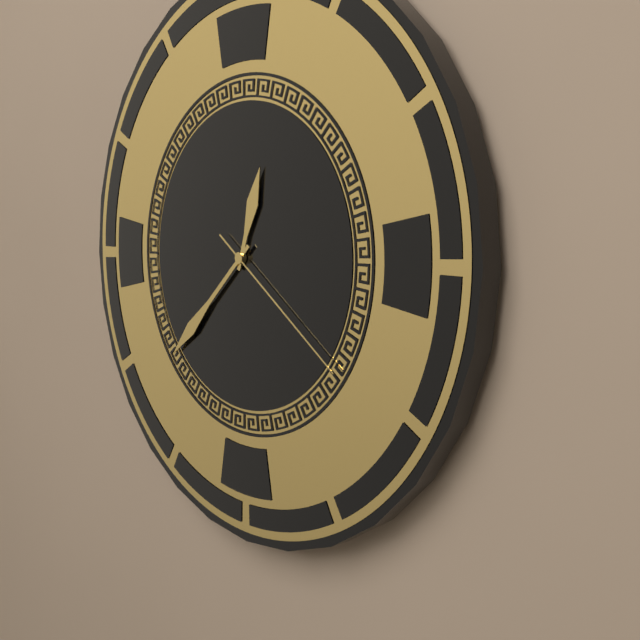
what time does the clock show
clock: 12:38:21
